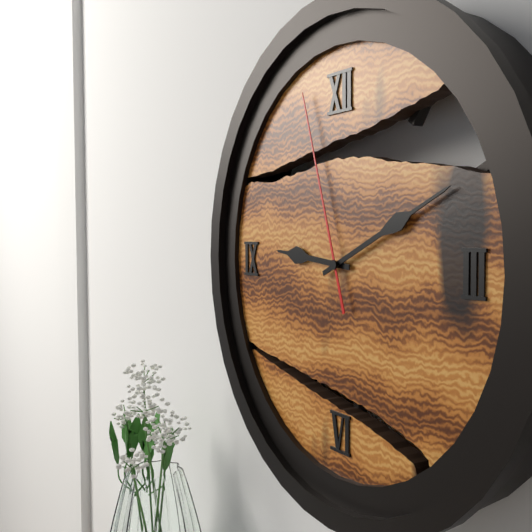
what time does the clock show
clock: 9:11:57
